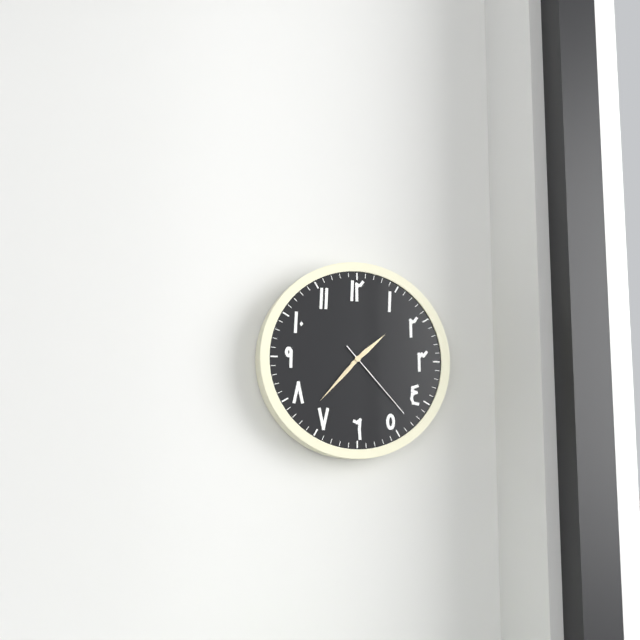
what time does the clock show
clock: 1:37:23
